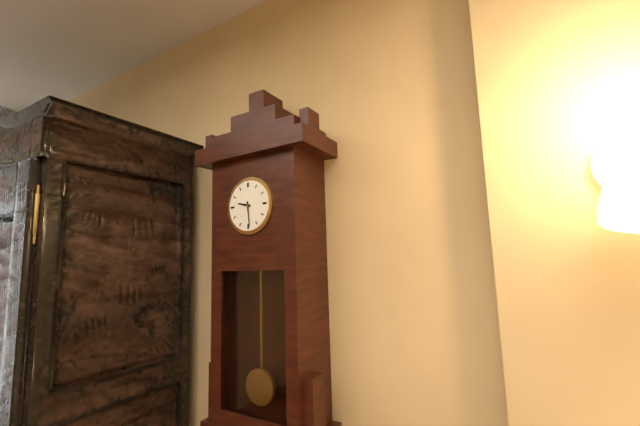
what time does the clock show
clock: 9:29
